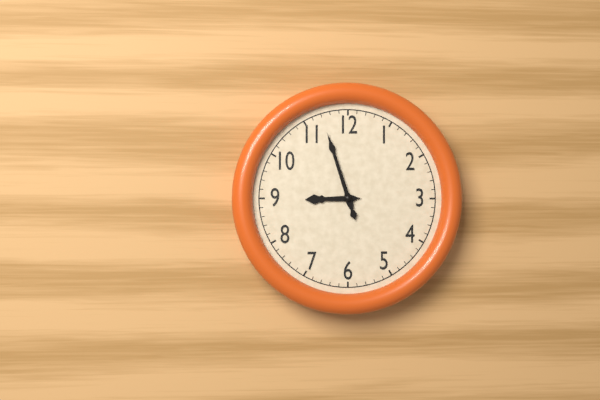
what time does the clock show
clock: 8:57
